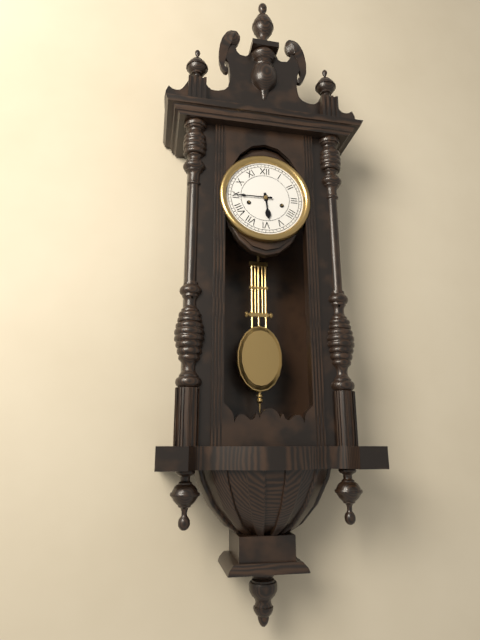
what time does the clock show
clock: 5:45
